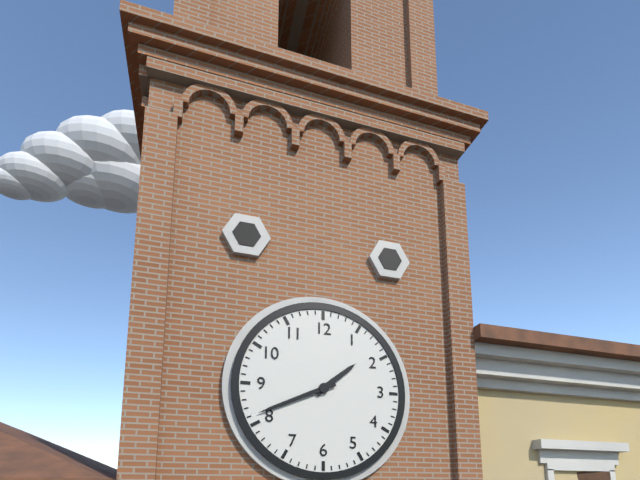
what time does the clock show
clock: 1:41
